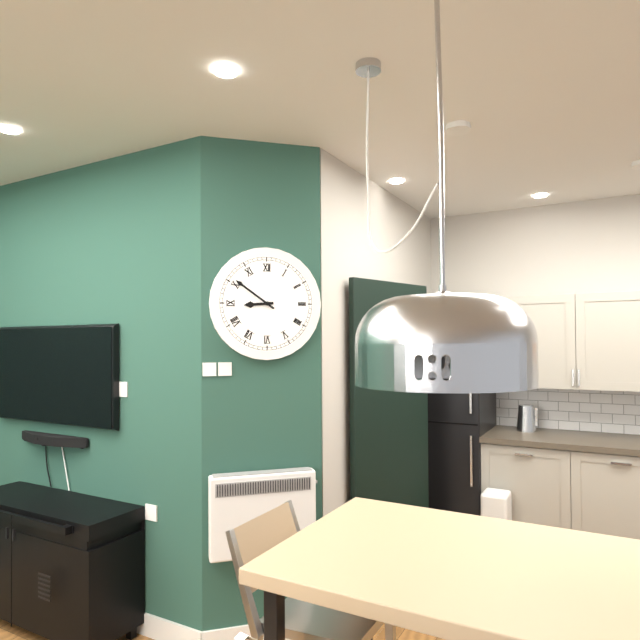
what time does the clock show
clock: 8:51
